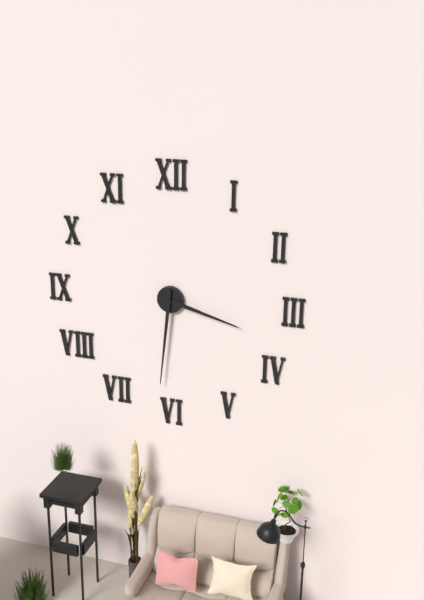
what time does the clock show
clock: 3:31
